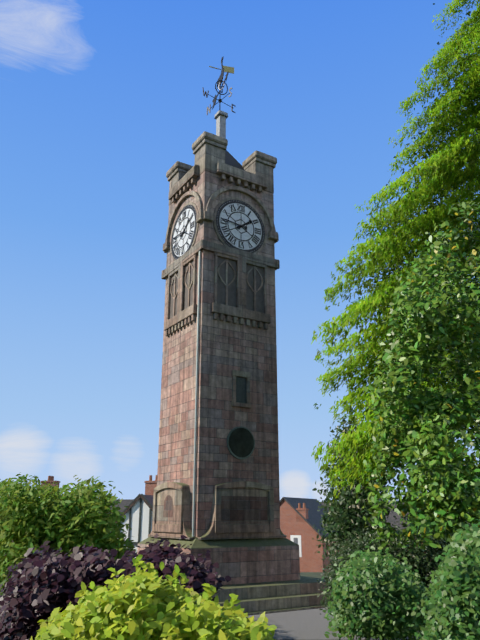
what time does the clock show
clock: 1:46
